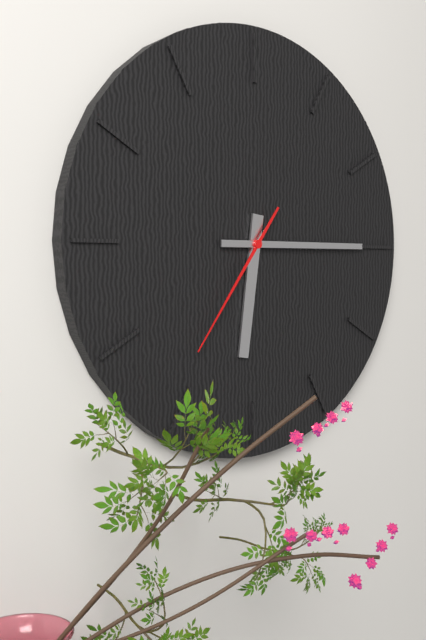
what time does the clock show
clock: 6:15:36
